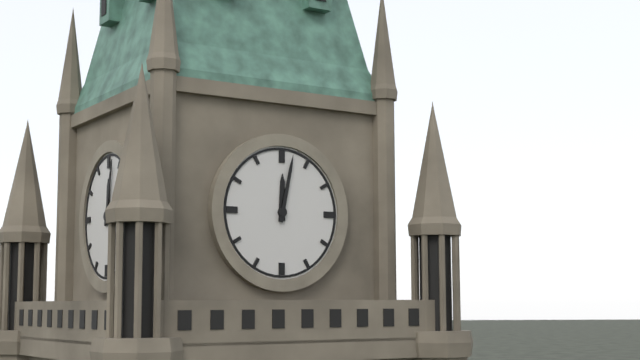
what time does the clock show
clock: 12:02
